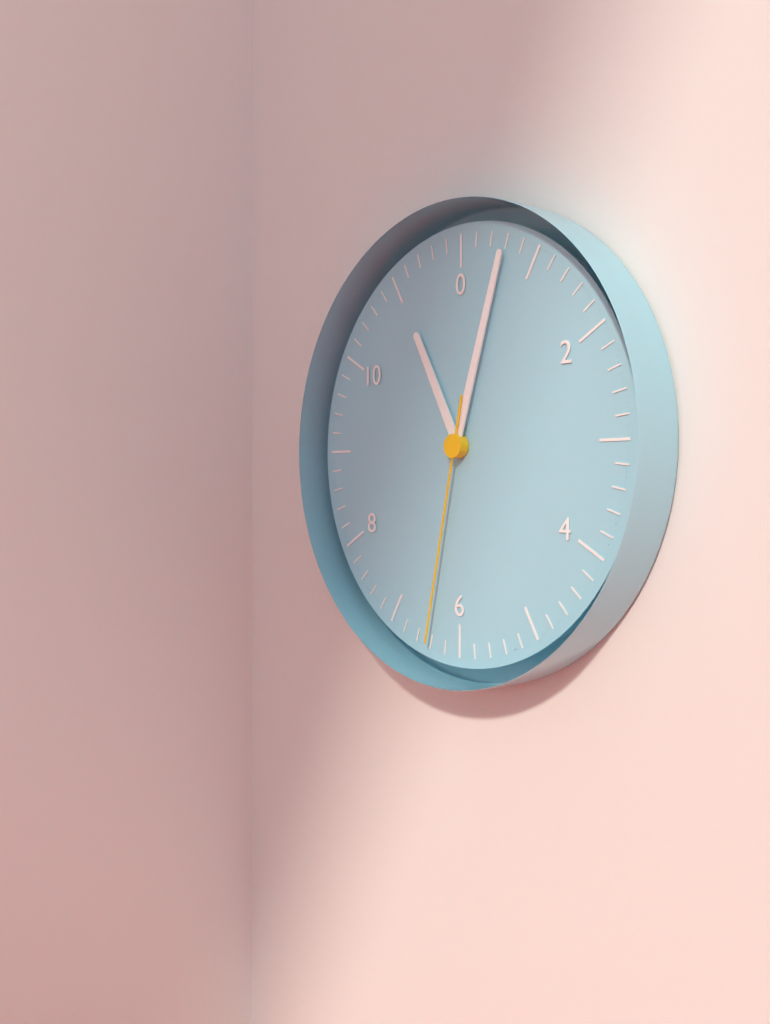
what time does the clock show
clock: 11:03:32
